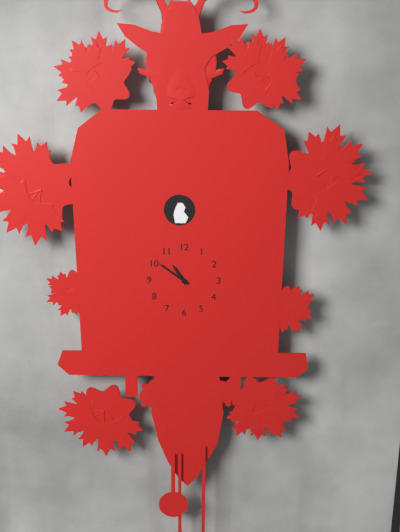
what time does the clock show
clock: 10:51
